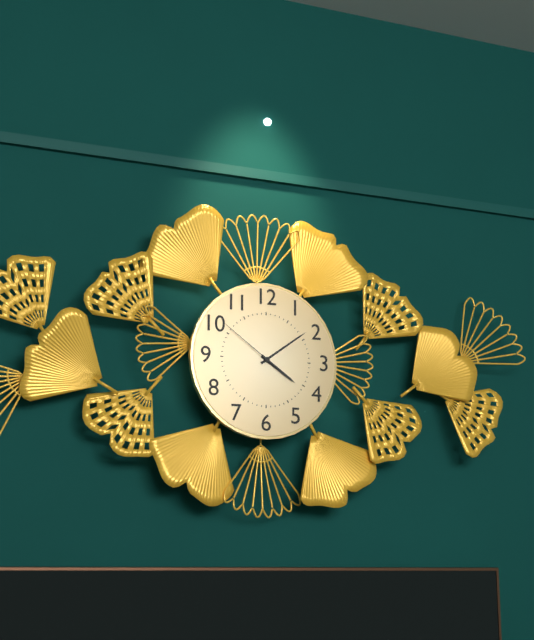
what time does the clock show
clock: 4:09:51
